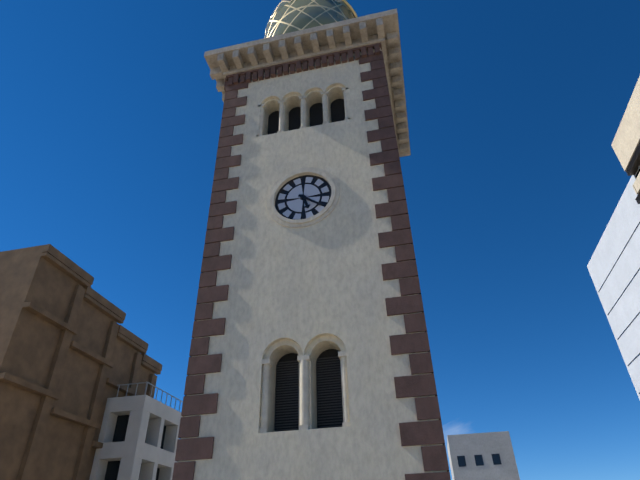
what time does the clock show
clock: 5:21
